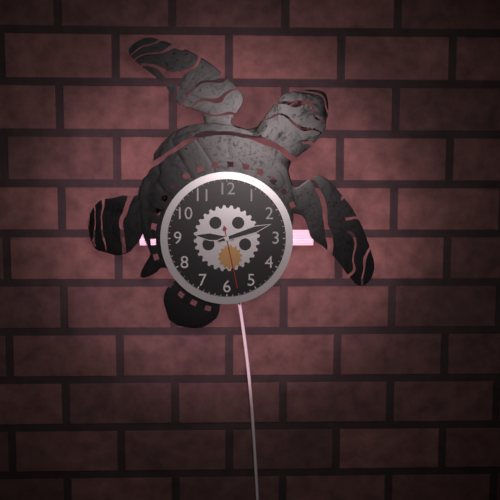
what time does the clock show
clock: 9:12:28
